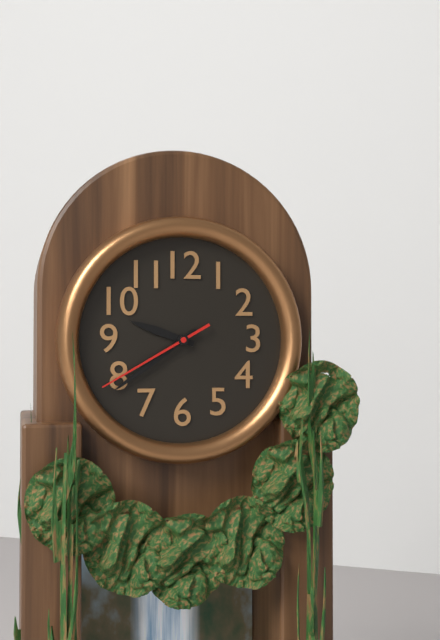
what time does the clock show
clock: 9:39:40
